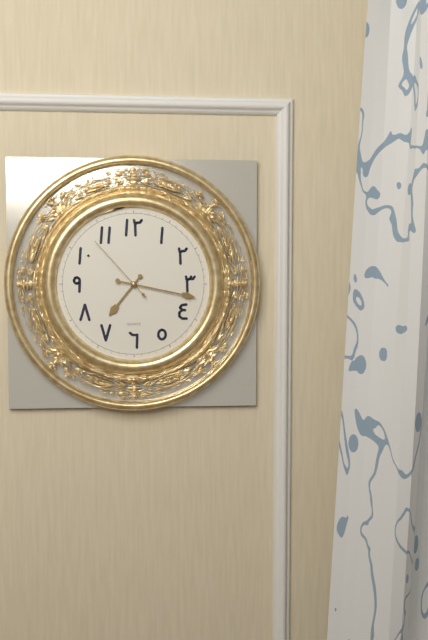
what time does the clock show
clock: 7:17:53
